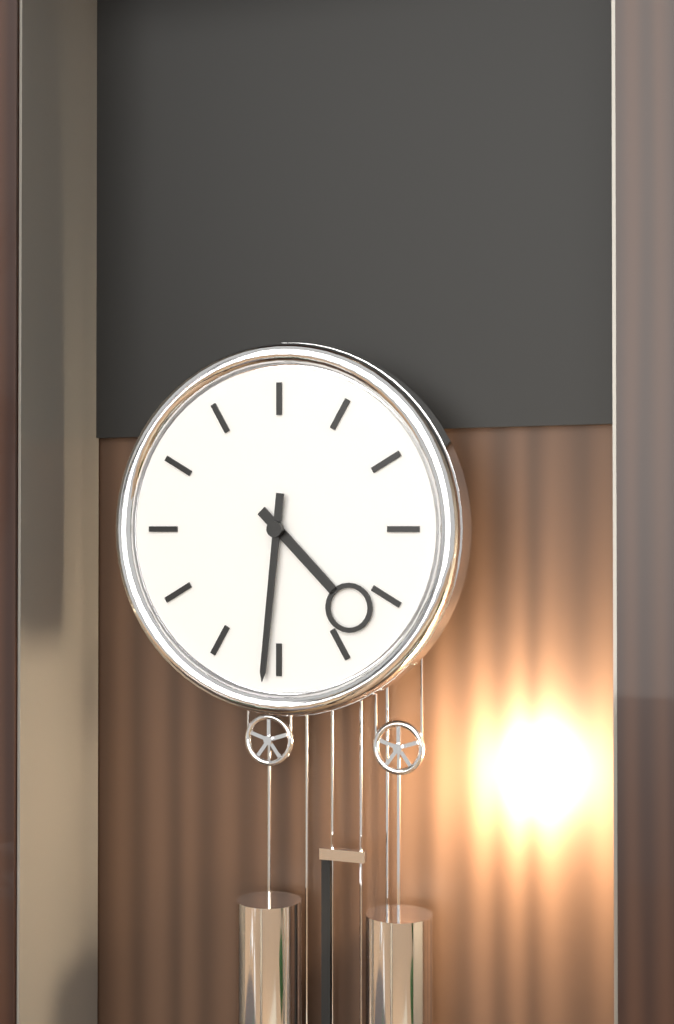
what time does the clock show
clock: 4:31
